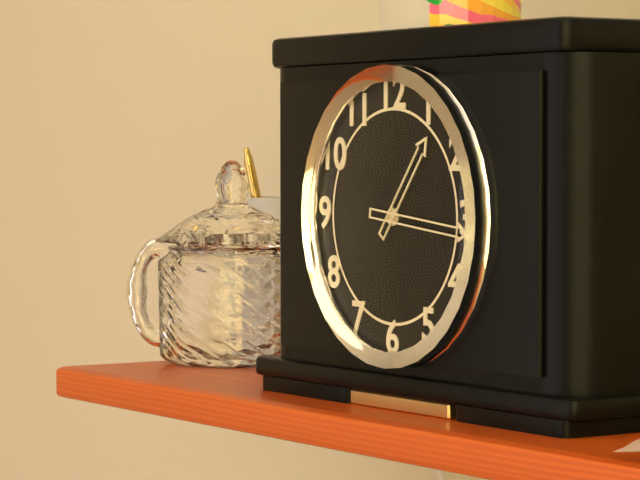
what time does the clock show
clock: 1:16
